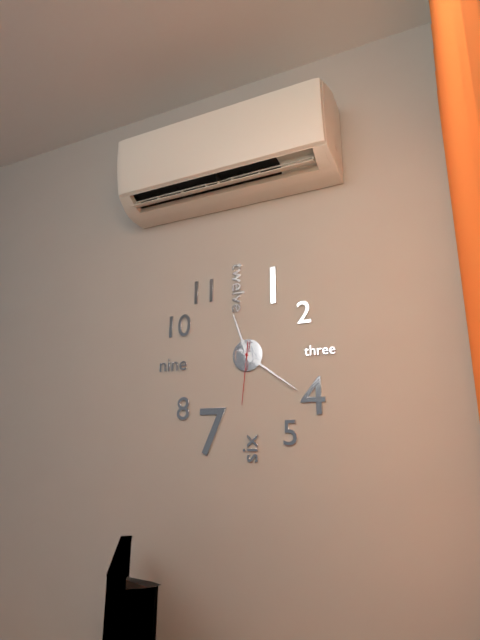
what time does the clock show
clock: 11:21:31
